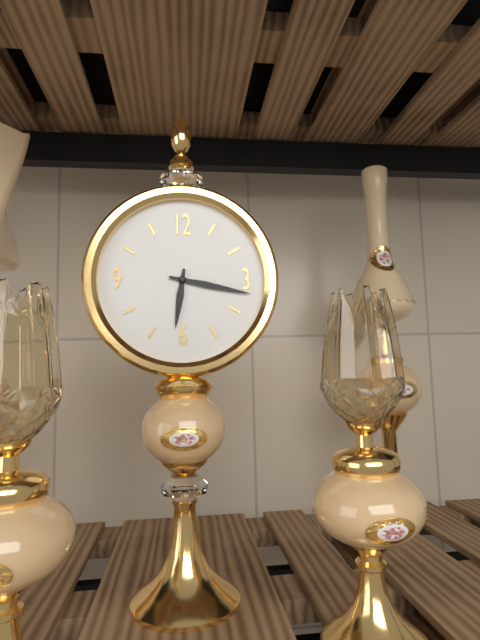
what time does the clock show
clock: 6:17
